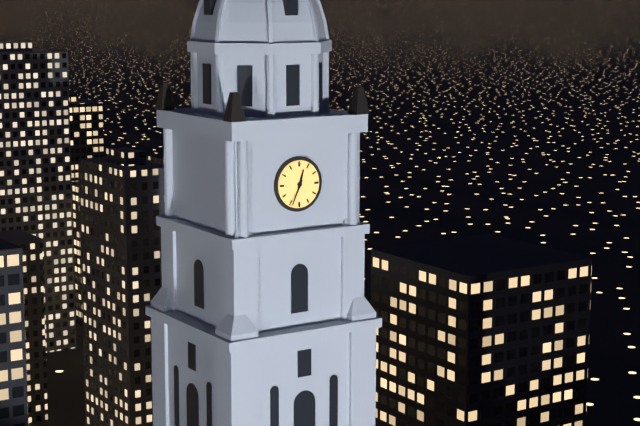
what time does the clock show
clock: 12:34
